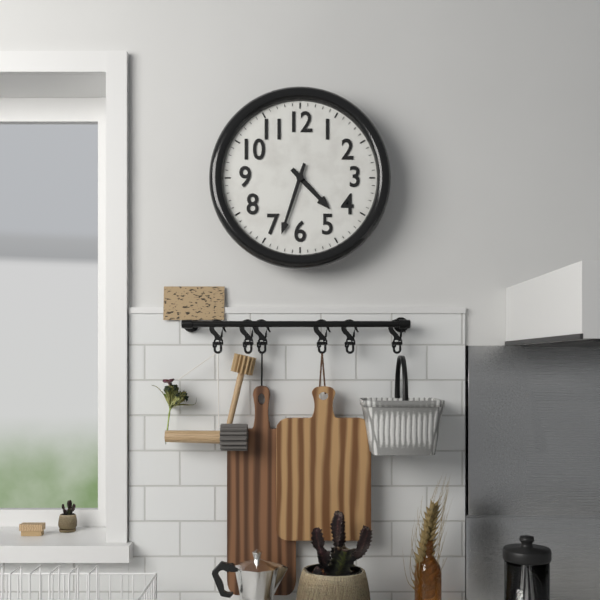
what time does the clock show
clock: 4:33
